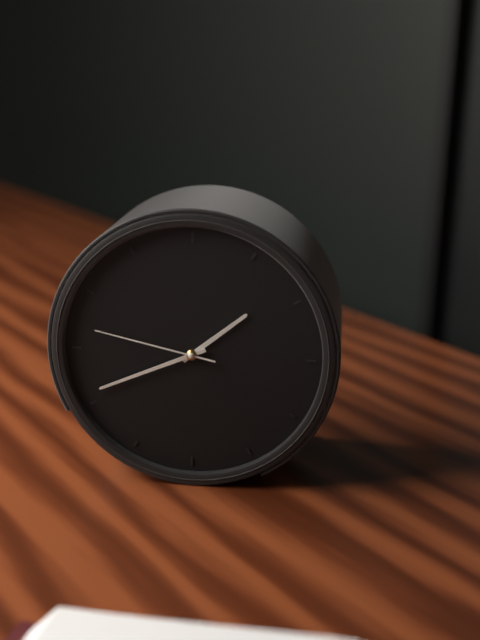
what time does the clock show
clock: 1:41:47
